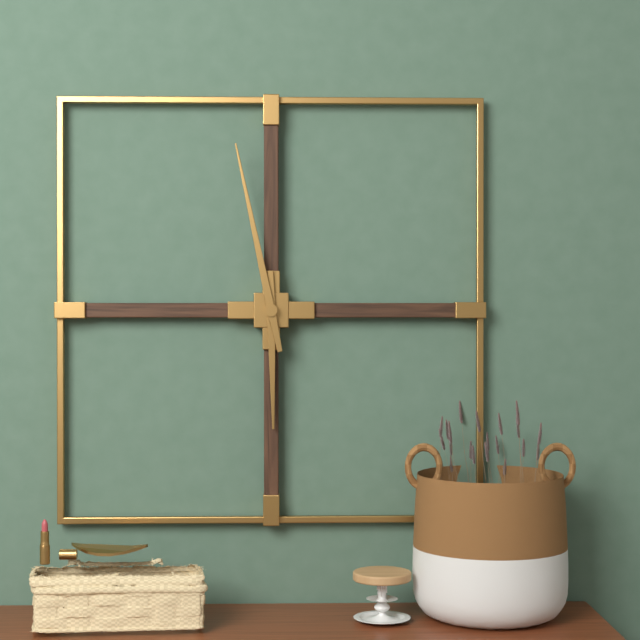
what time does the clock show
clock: 5:58
